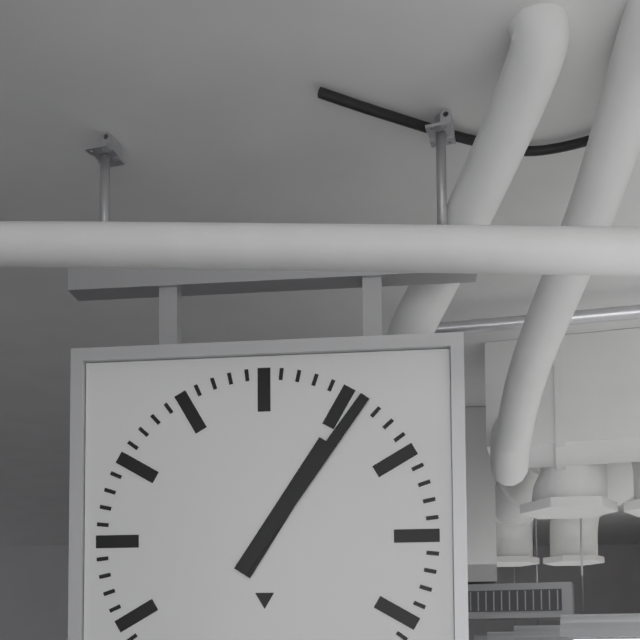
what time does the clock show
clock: 1:06
